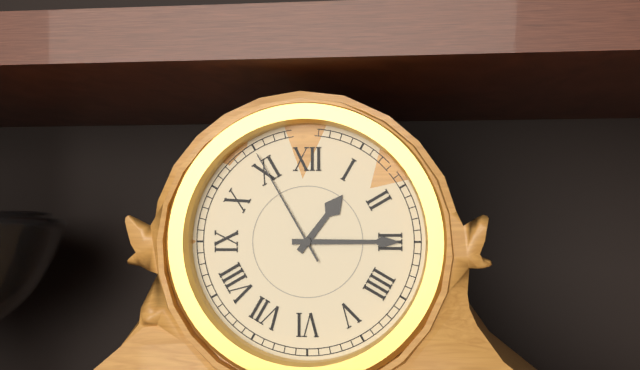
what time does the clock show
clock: 1:15:55
